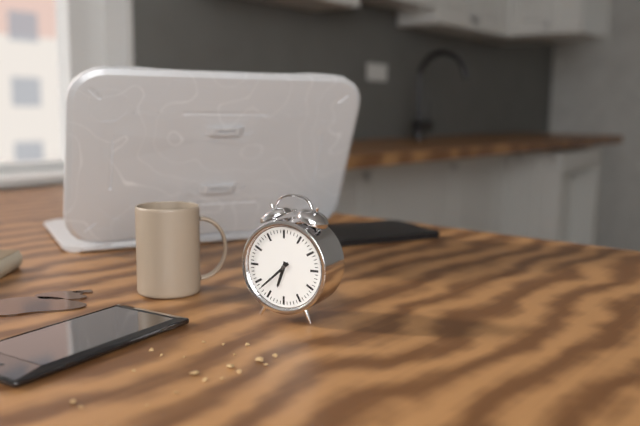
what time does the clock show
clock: 6:38
